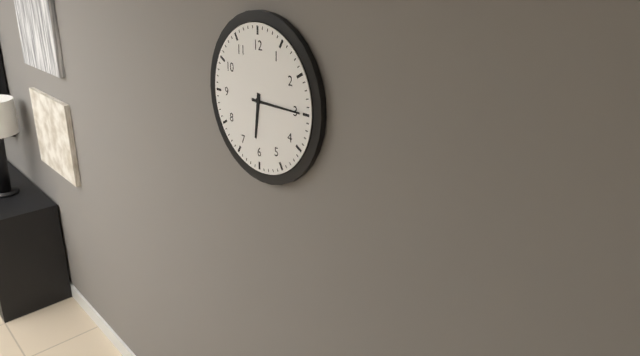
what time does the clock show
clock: 6:15
